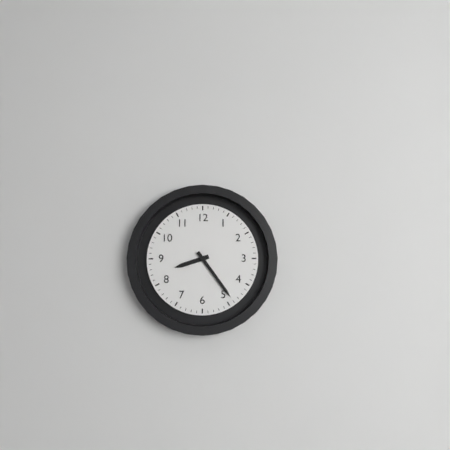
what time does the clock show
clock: 8:24
